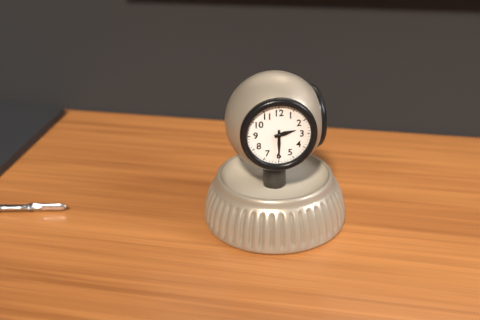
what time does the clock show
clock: 2:30
